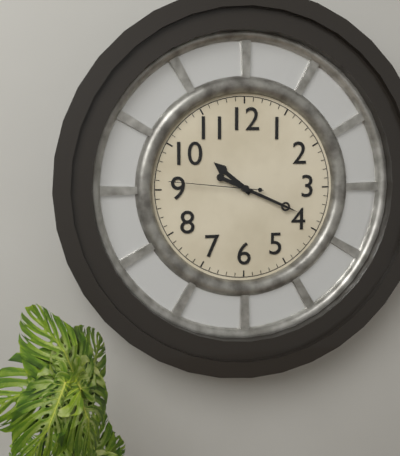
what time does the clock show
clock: 10:19:46
